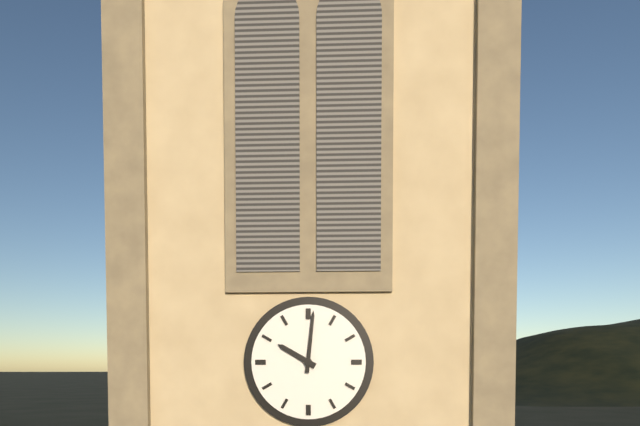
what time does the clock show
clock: 10:01
